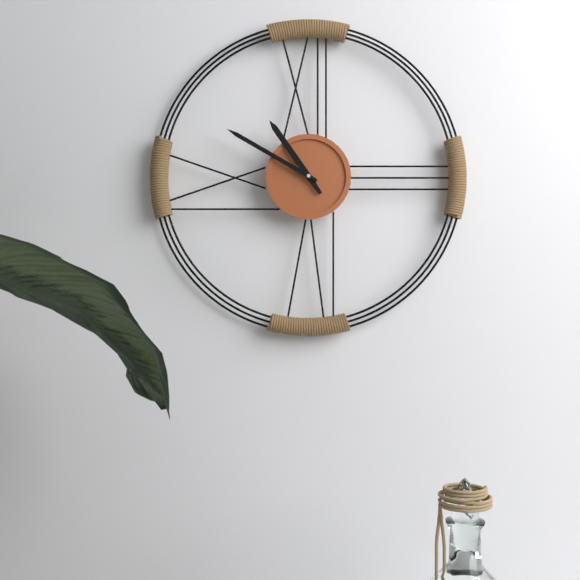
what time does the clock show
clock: 10:50
